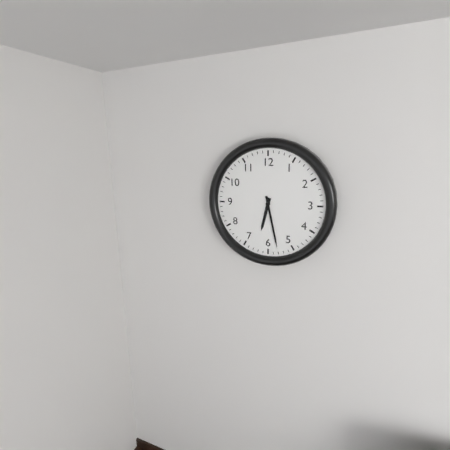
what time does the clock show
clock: 6:28
